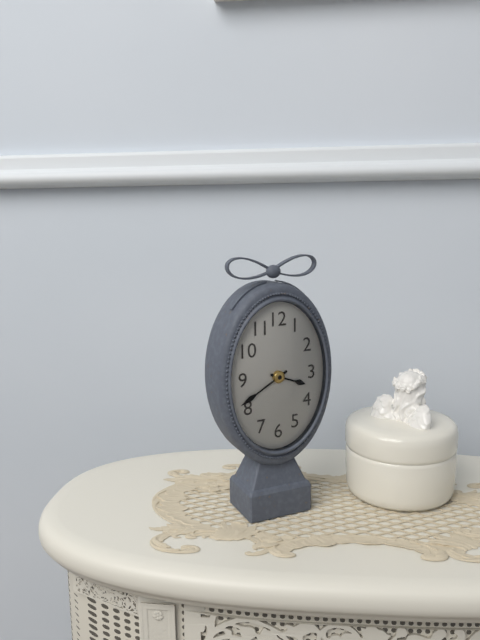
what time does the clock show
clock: 3:40
